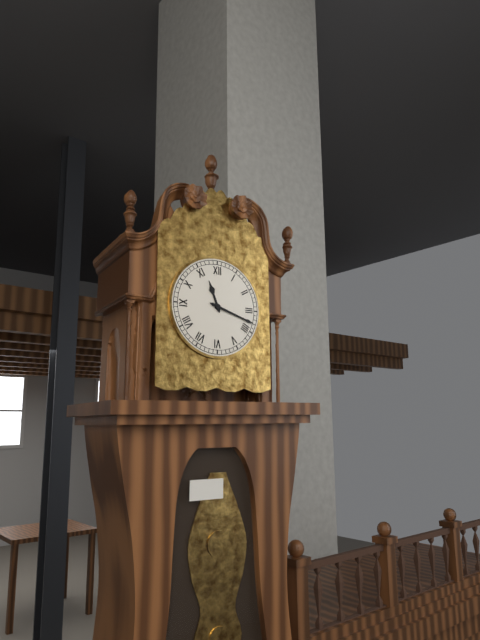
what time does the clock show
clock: 11:18
